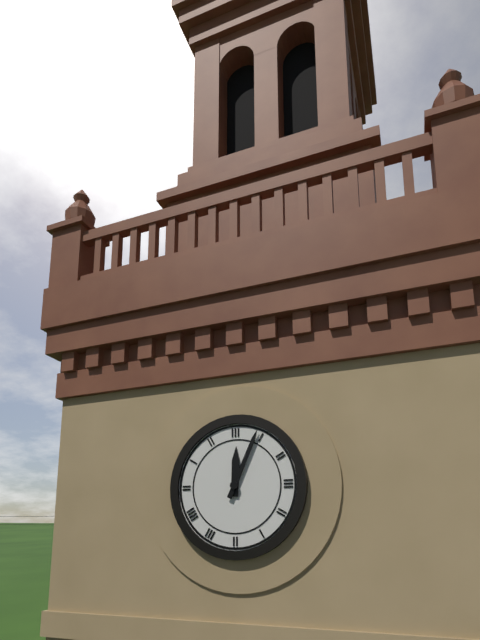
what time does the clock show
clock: 12:04
